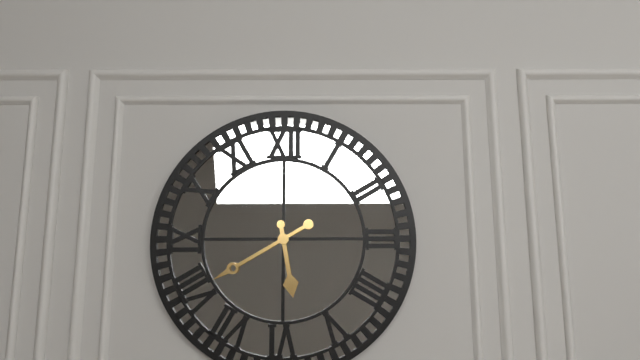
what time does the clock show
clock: 5:40
